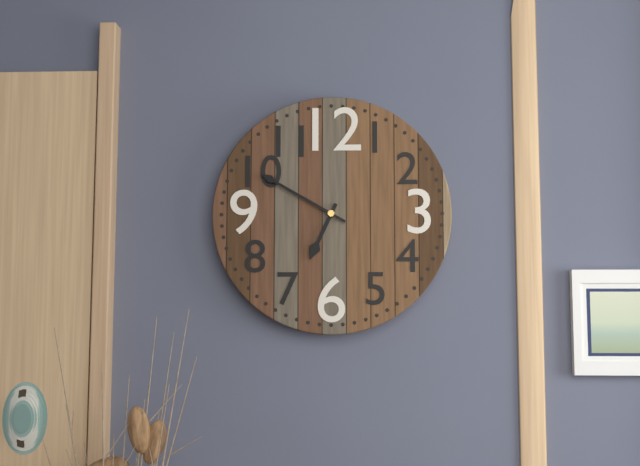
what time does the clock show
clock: 6:50
